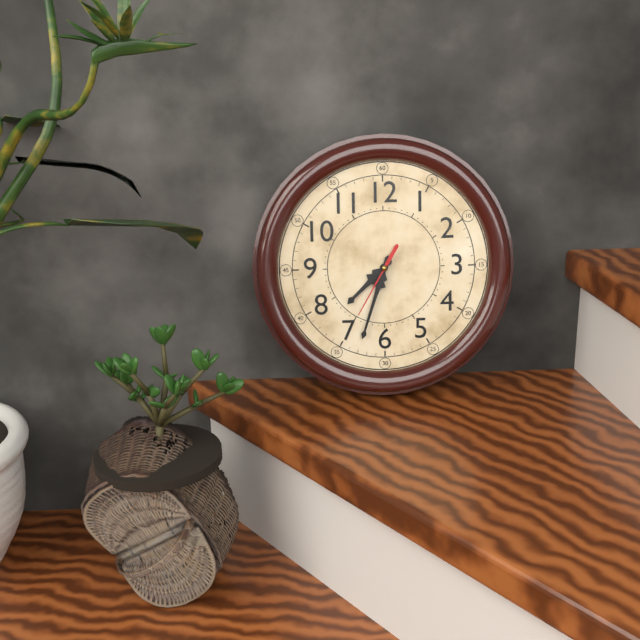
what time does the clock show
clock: 7:33:35
